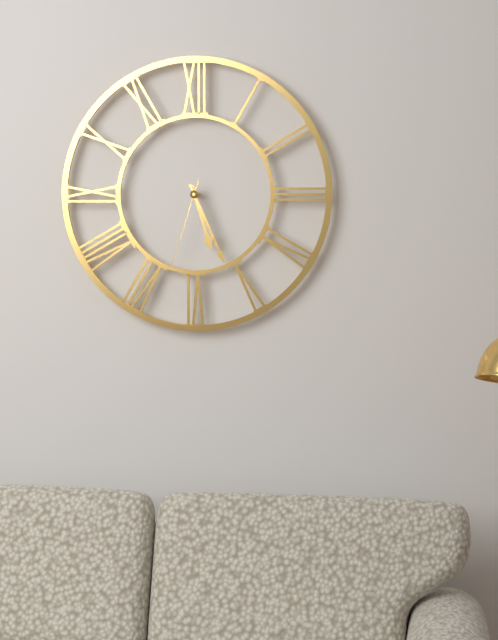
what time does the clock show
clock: 5:26:33
